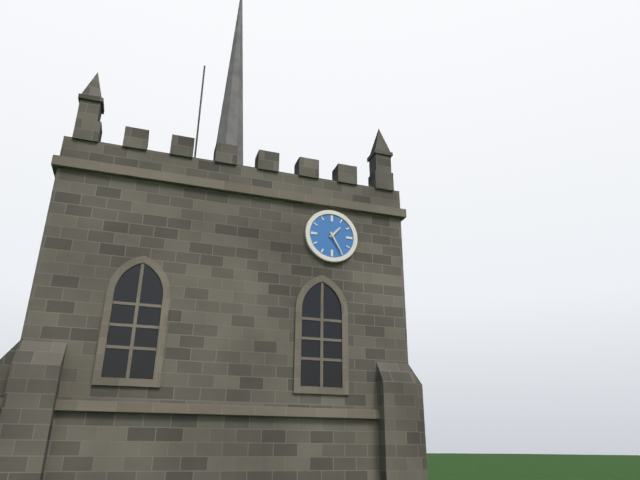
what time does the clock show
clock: 1:25
